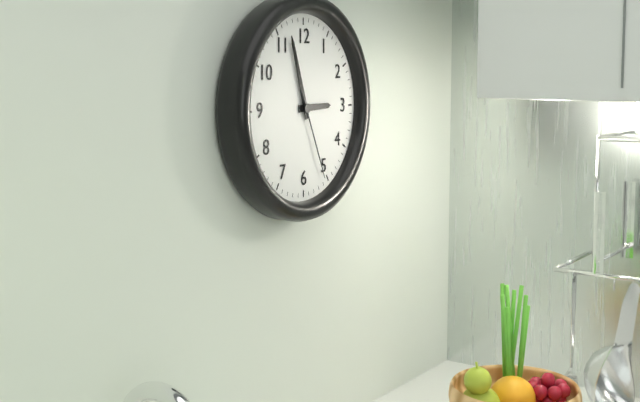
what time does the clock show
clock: 2:57:26
